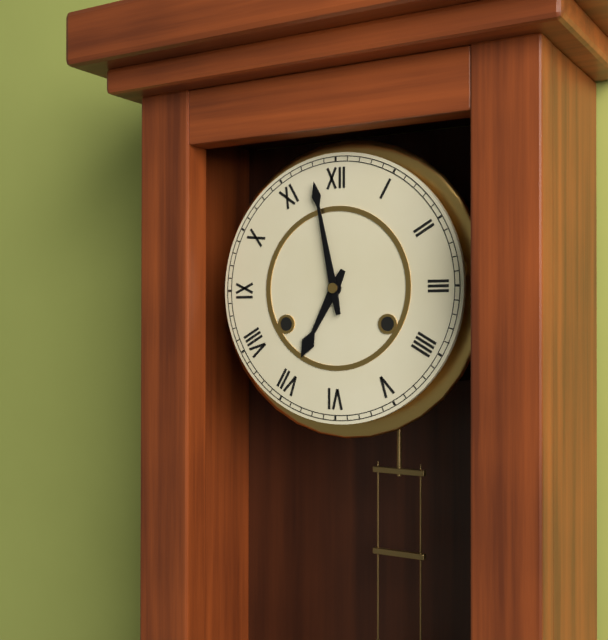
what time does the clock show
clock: 6:58
